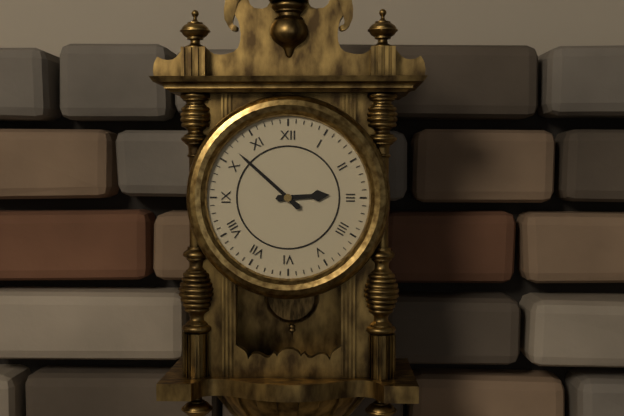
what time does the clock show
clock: 2:52
